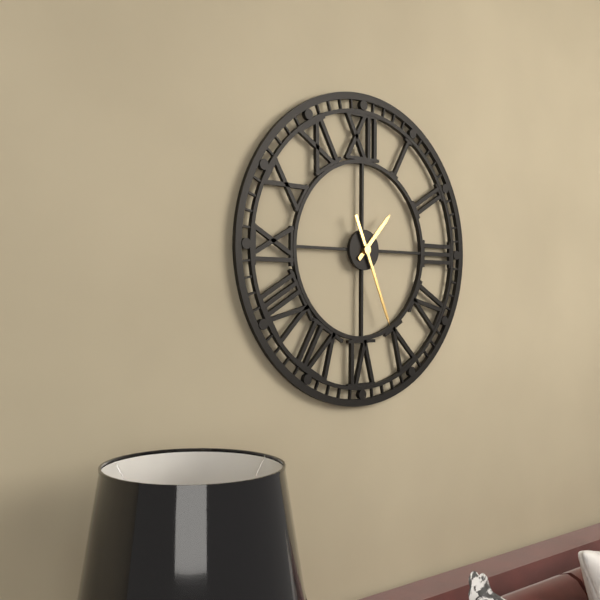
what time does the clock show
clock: 1:26
